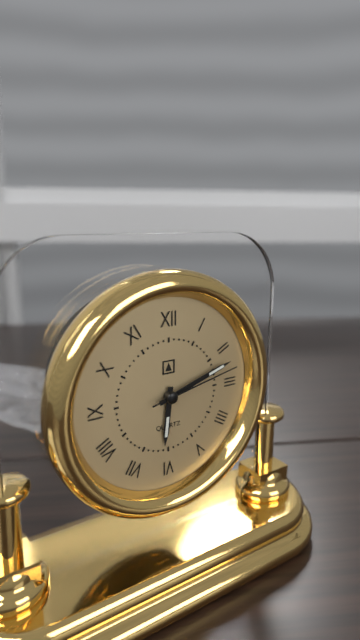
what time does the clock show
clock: 6:12:13
